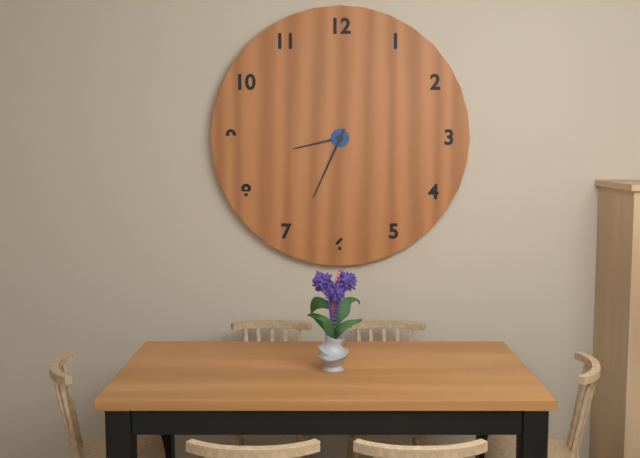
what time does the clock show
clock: 8:34
